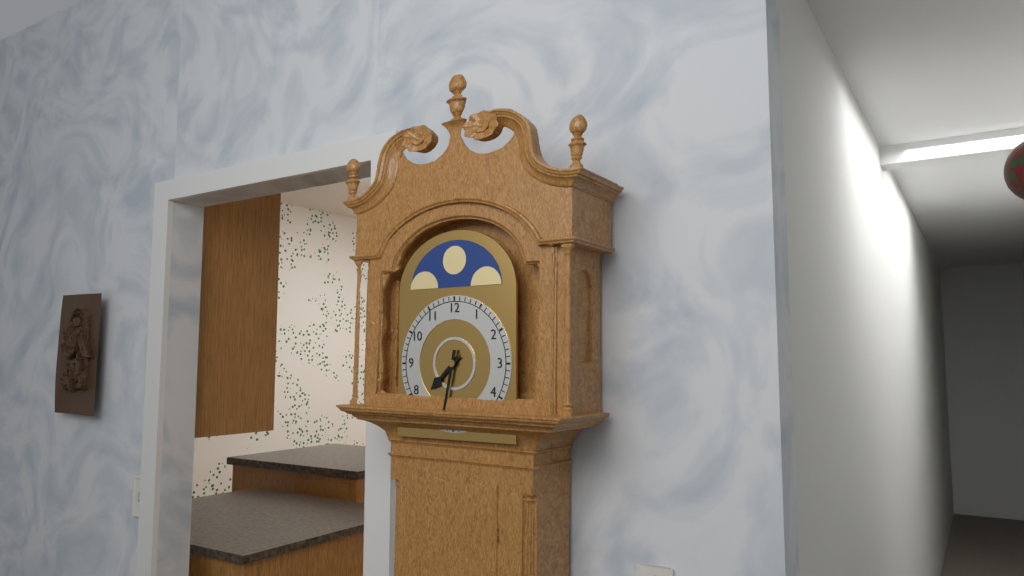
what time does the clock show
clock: 7:32
